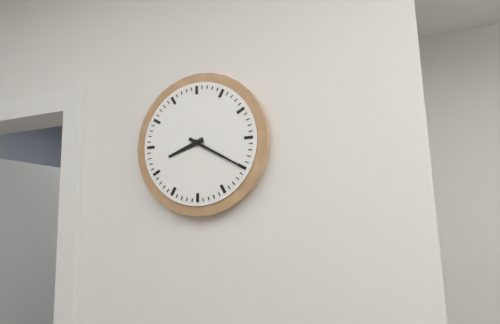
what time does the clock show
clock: 8:20
